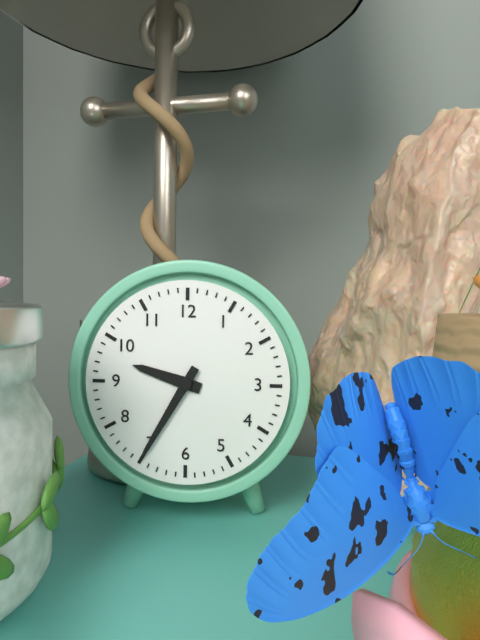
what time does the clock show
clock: 9:35
